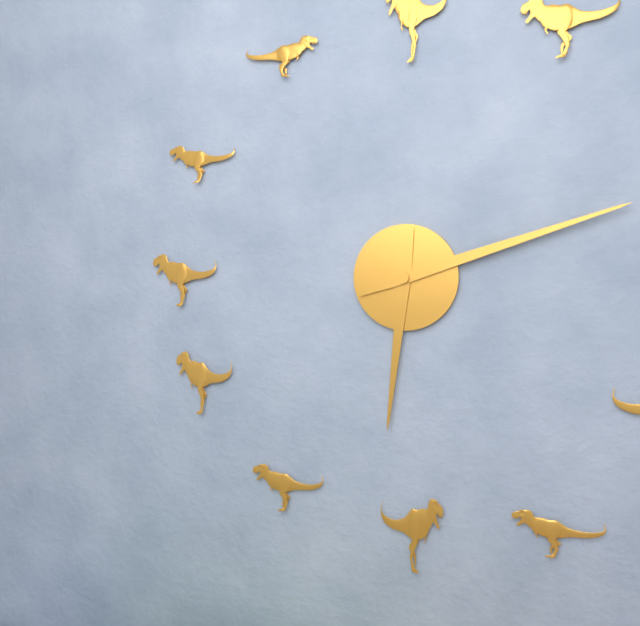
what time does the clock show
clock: 6:12
